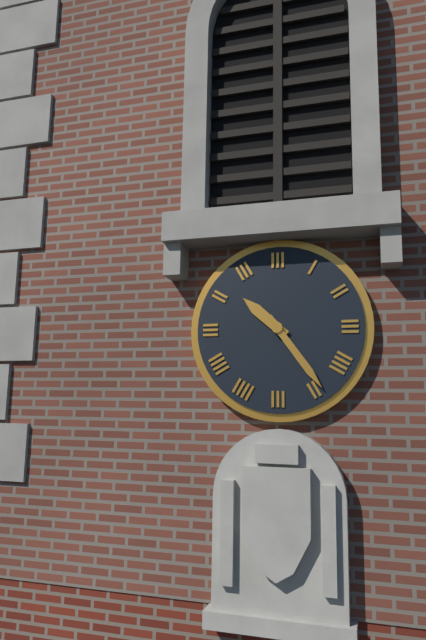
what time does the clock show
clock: 10:24
